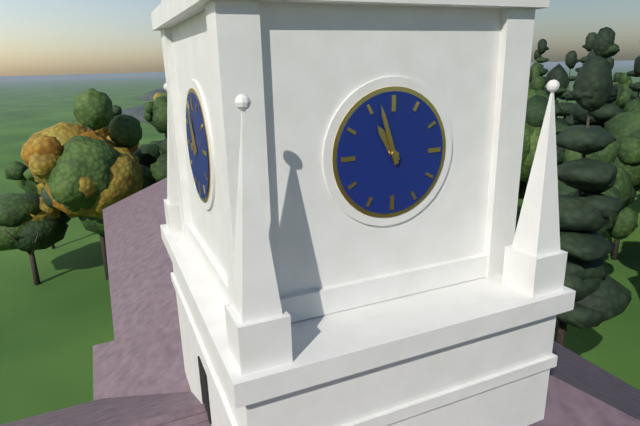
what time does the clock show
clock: 10:57
